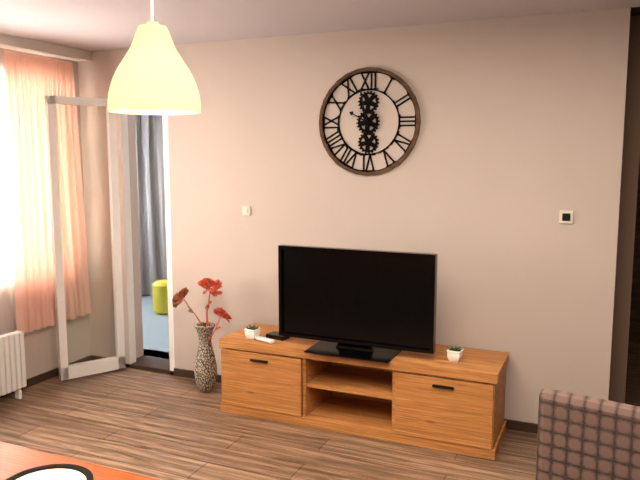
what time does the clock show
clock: 9:58
